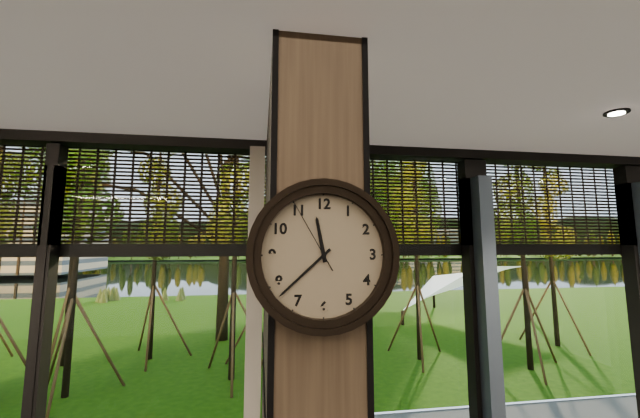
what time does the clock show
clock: 11:38:55
